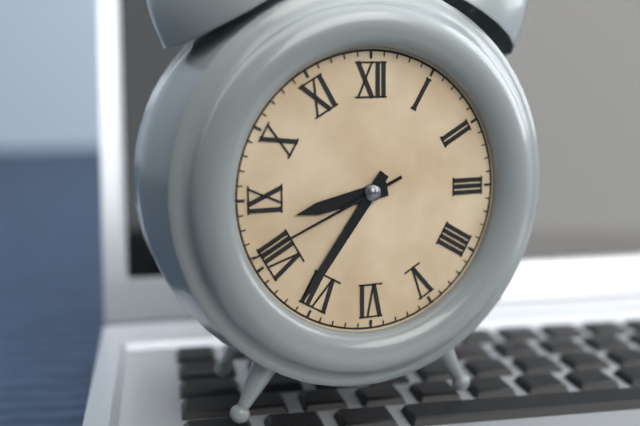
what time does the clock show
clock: 8:36:41
